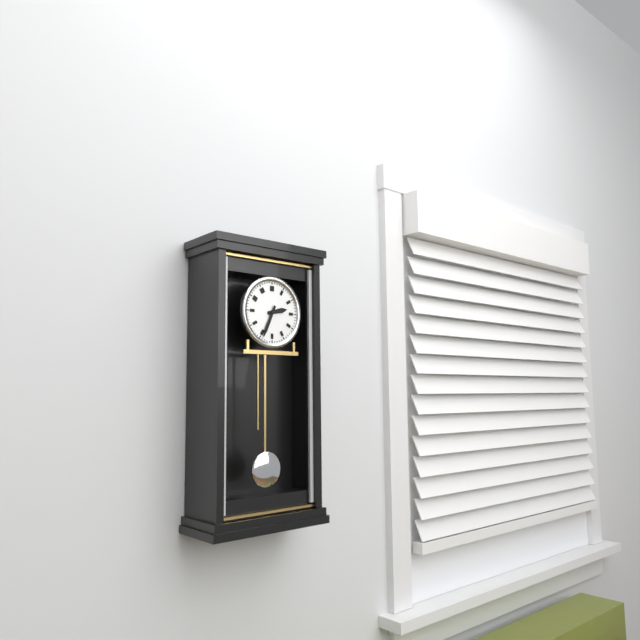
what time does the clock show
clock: 2:34
